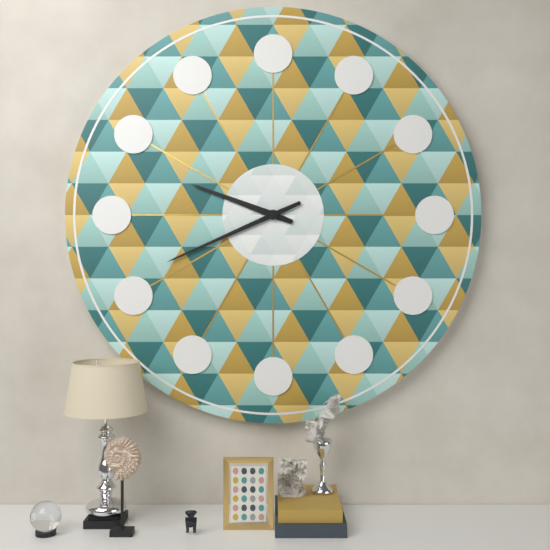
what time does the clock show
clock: 9:41
